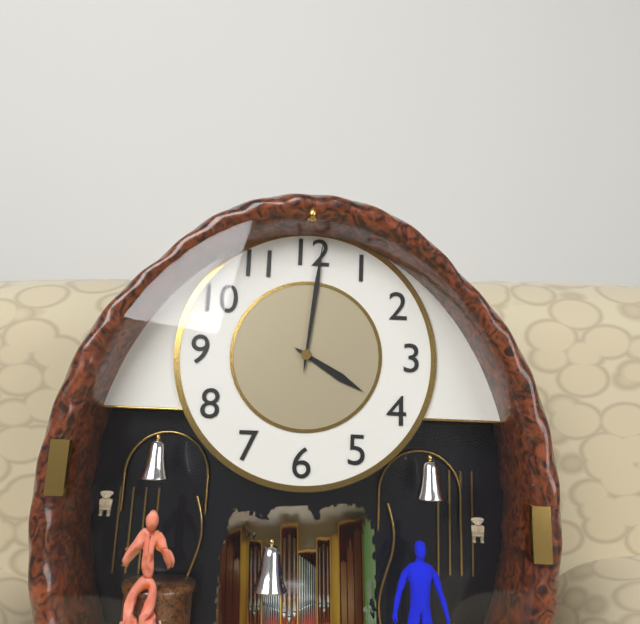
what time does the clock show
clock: 4:01
